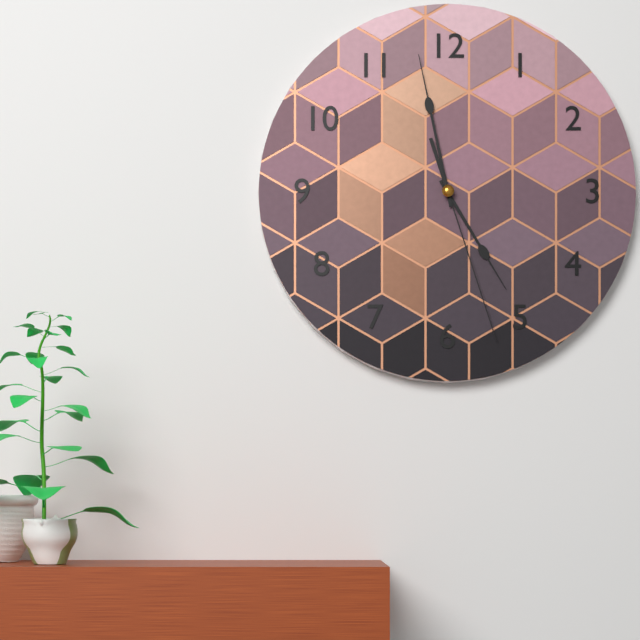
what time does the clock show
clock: 4:58:27
